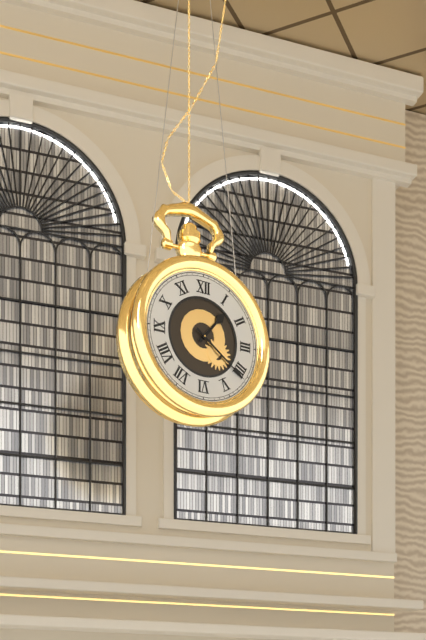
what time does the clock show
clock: 1:21
